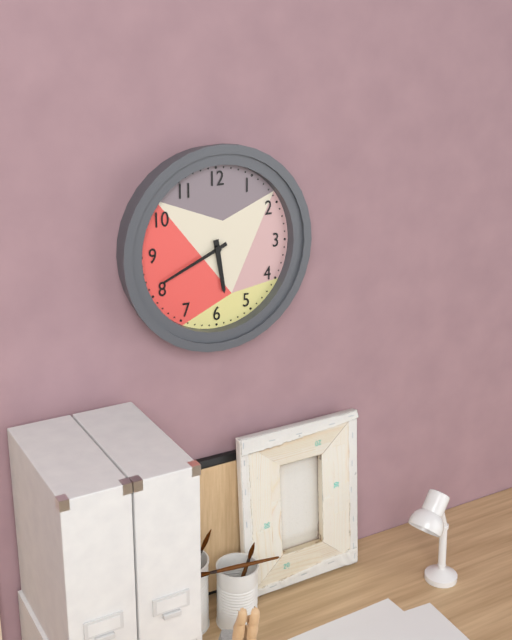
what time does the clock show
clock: 5:41
